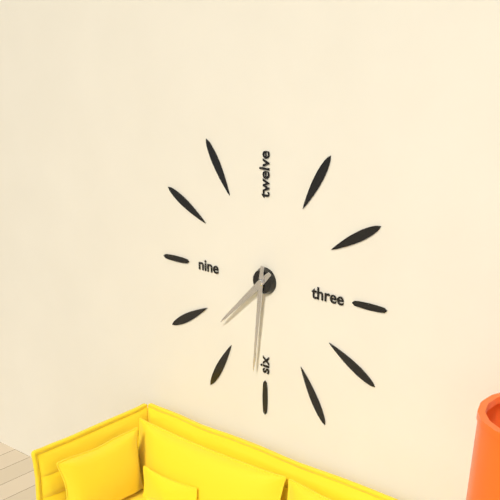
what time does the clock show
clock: 7:31
